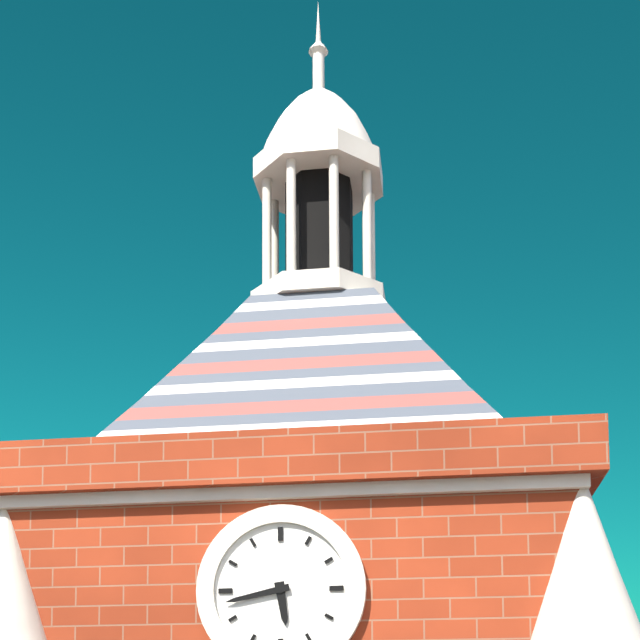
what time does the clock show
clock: 5:43
